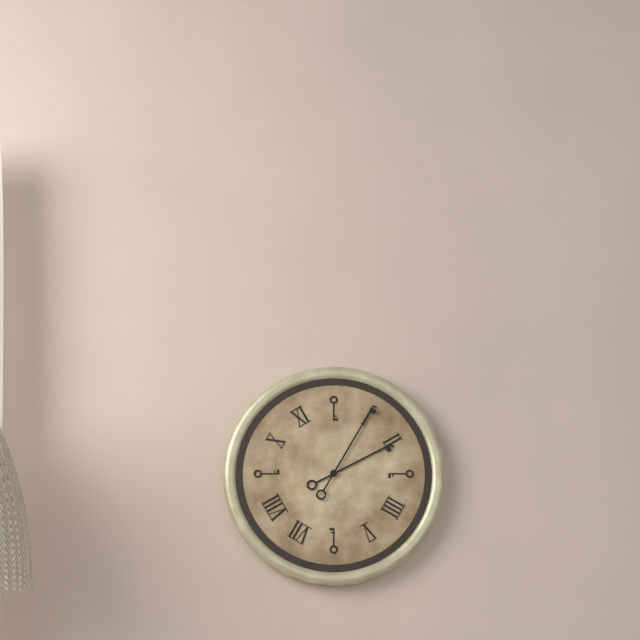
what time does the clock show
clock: 2:05
